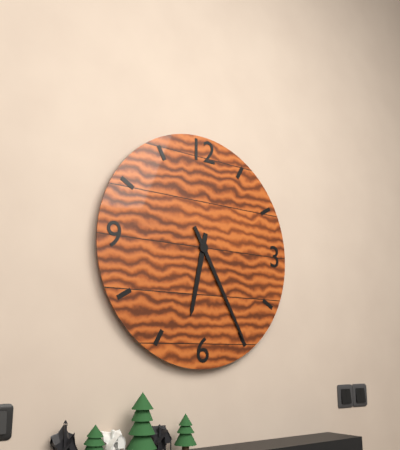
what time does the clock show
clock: 6:25
